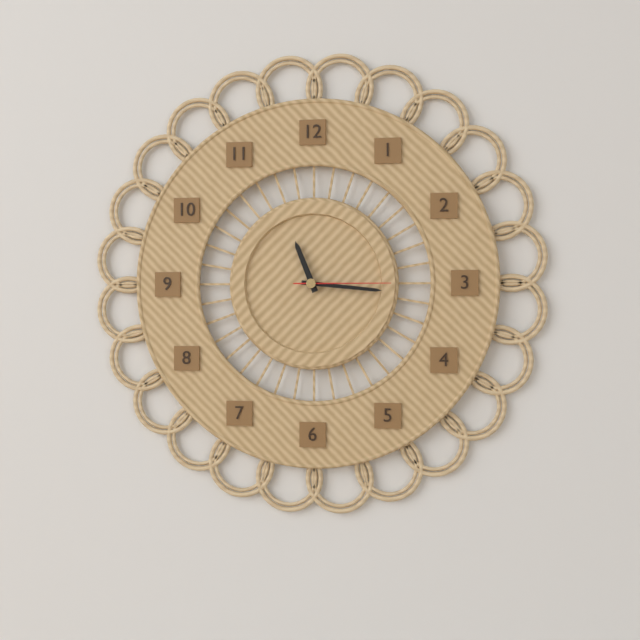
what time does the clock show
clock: 11:16:15
